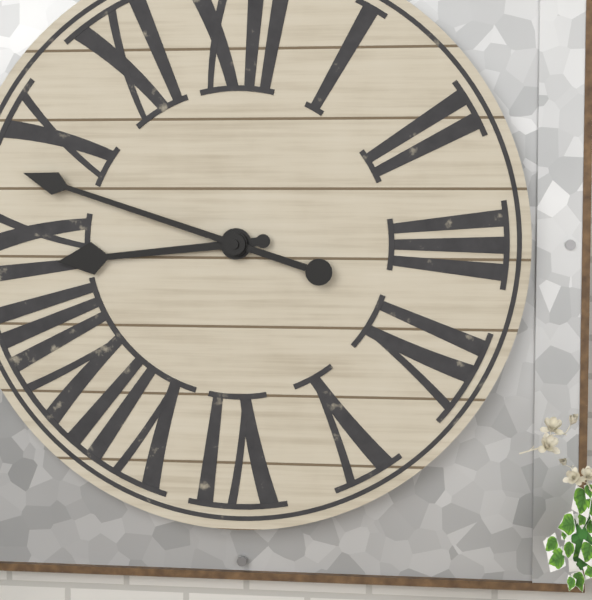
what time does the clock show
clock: 8:48
